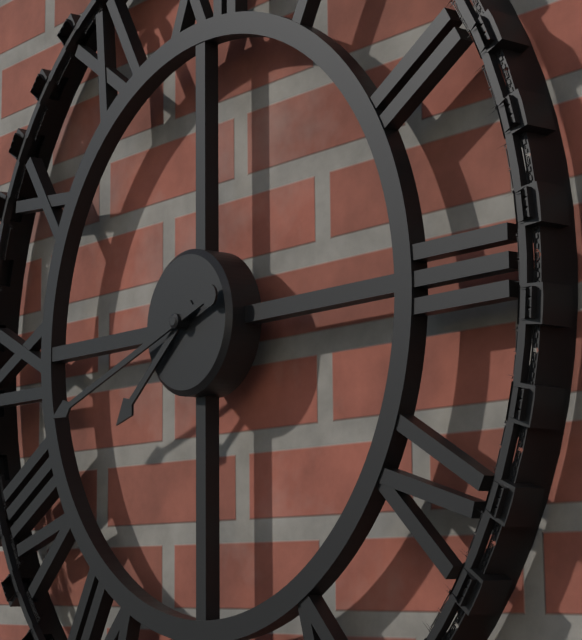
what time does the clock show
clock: 7:42
